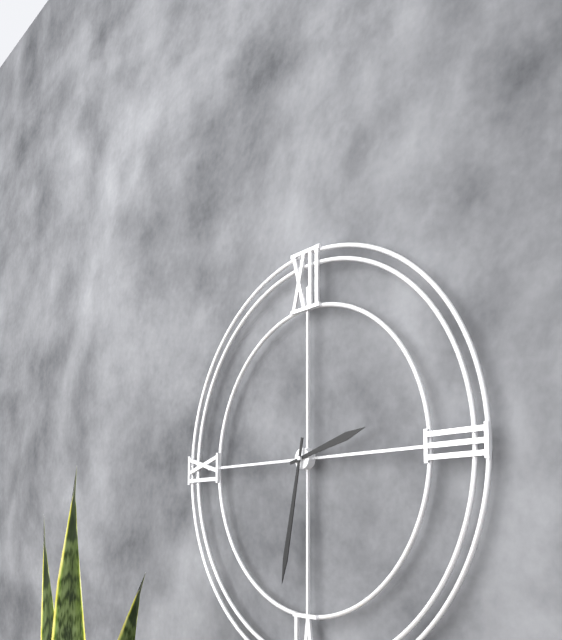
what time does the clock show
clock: 2:32
